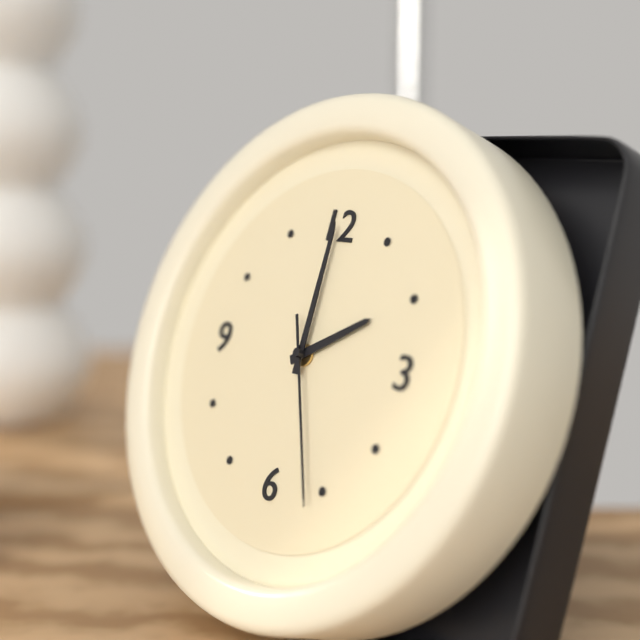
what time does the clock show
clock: 2:00:26
